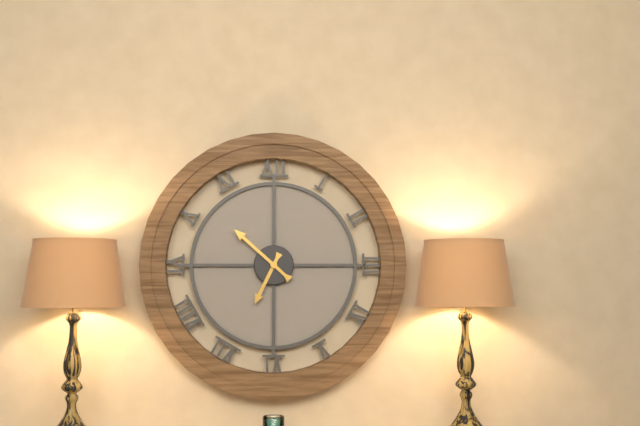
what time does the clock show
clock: 6:52
